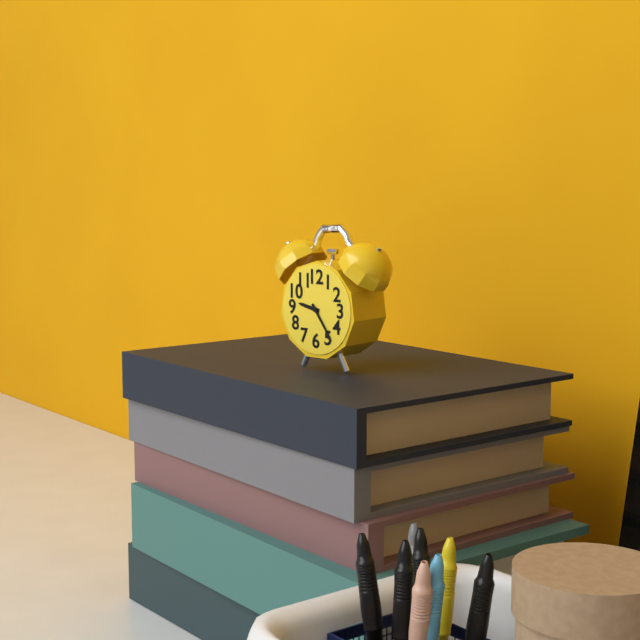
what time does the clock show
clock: 9:24
